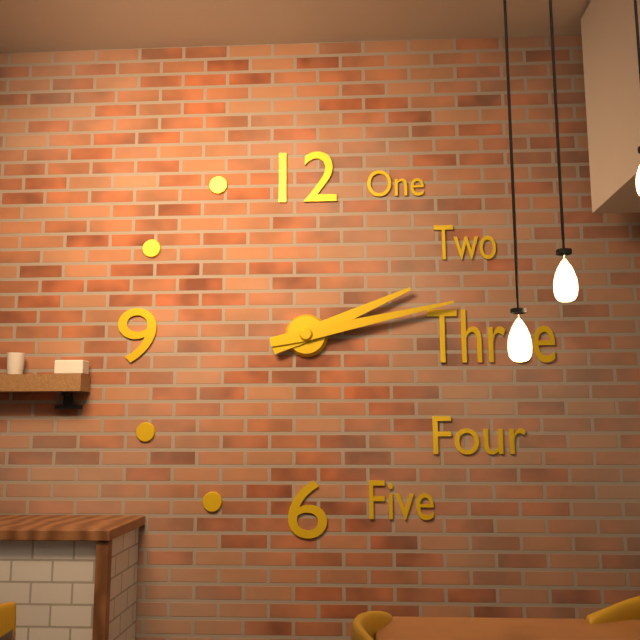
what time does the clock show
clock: 2:13
